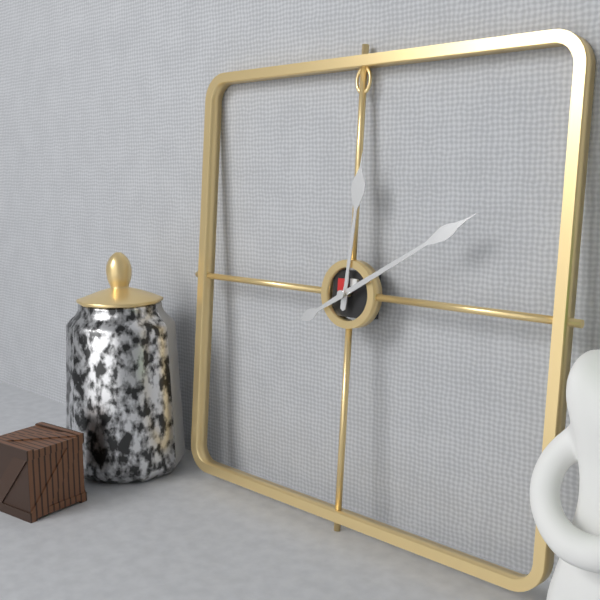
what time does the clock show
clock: 12:10
